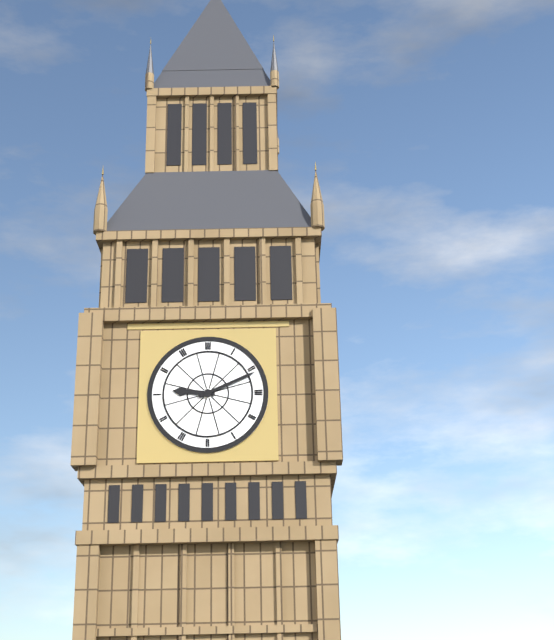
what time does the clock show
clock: 9:11
